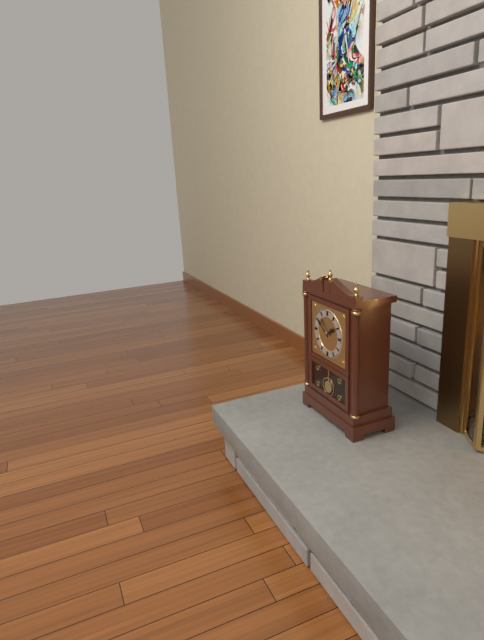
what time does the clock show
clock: 1:51
